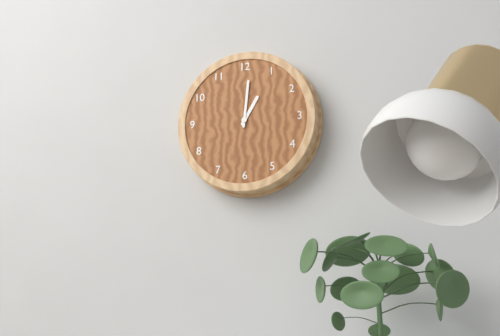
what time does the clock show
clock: 1:01
